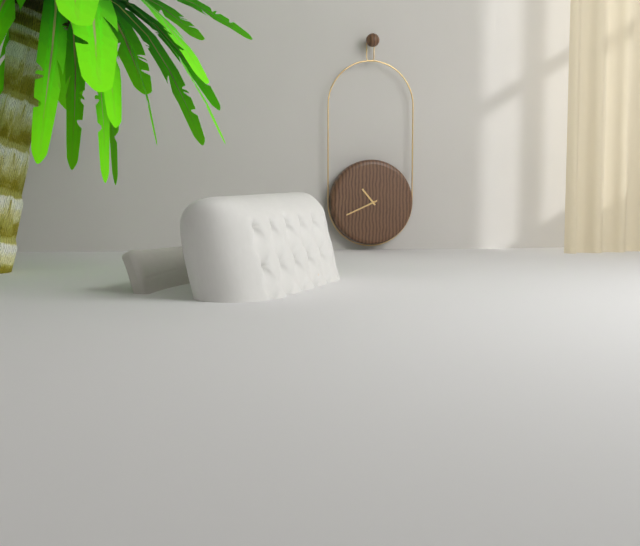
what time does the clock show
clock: 10:41
